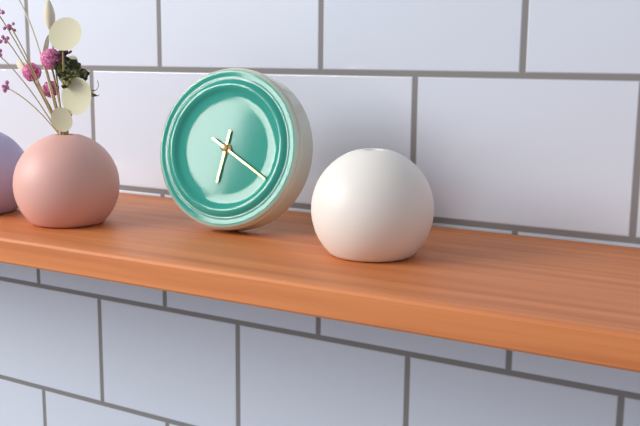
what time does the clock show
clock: 6:20
